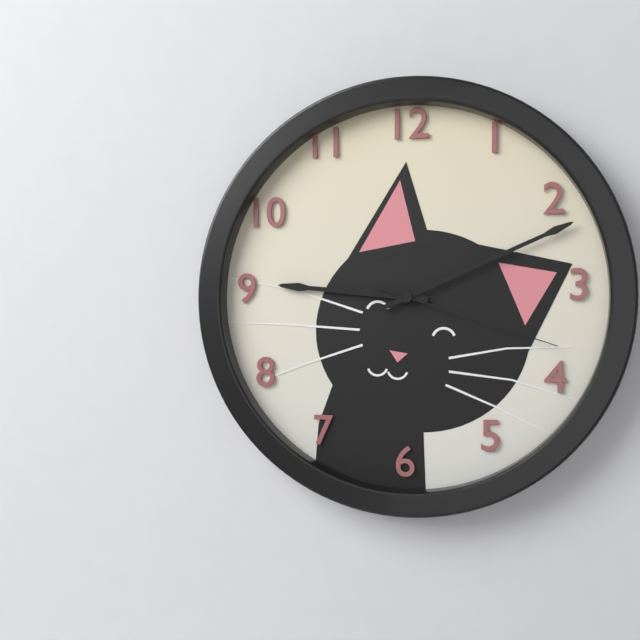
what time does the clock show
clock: 9:11:18
